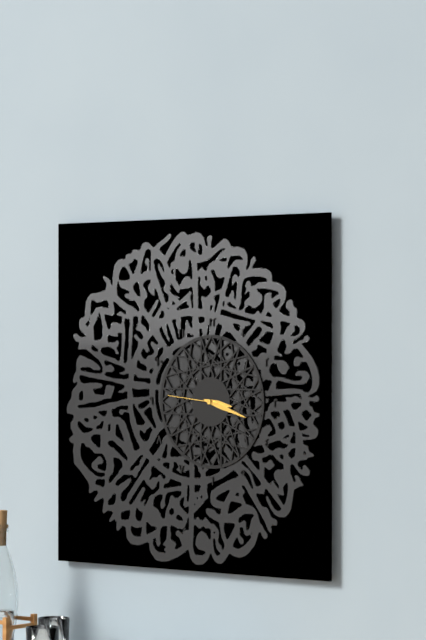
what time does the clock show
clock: 3:18:46
